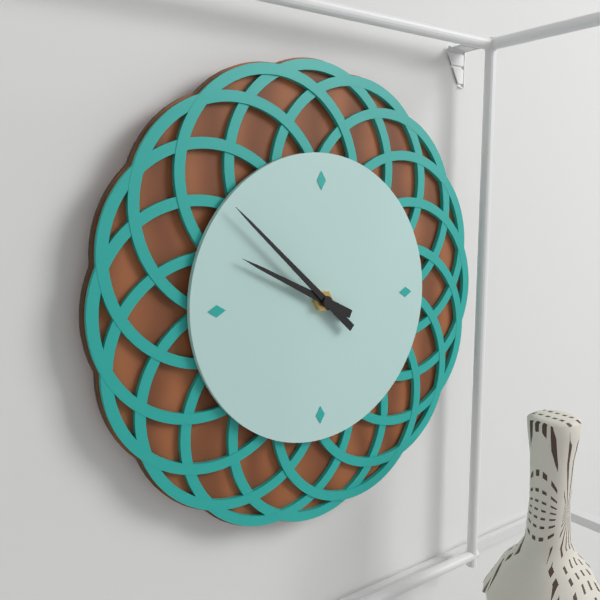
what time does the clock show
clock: 9:52
